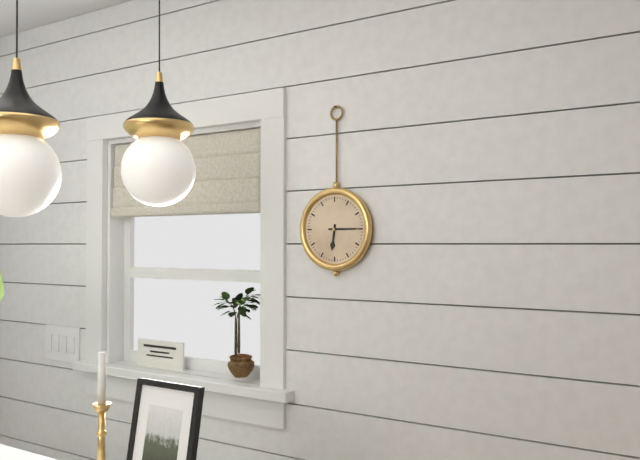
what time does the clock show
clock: 6:15
